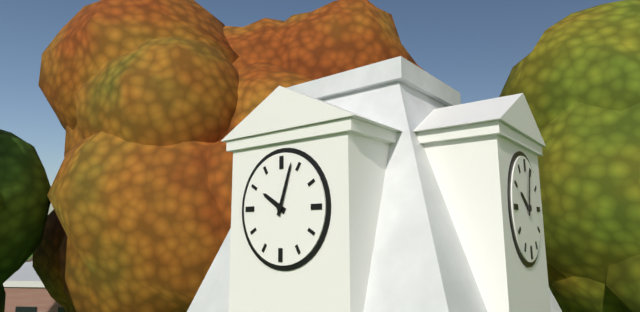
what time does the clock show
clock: 10:03
